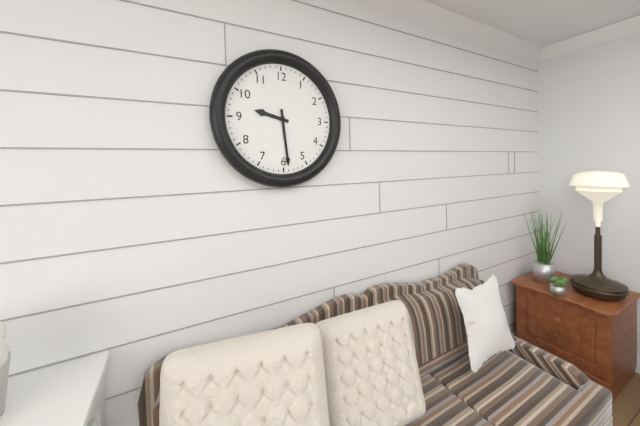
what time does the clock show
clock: 9:29
